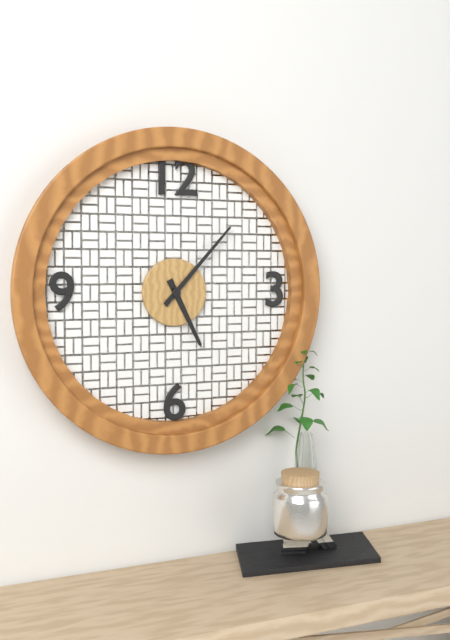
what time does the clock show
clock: 5:07
